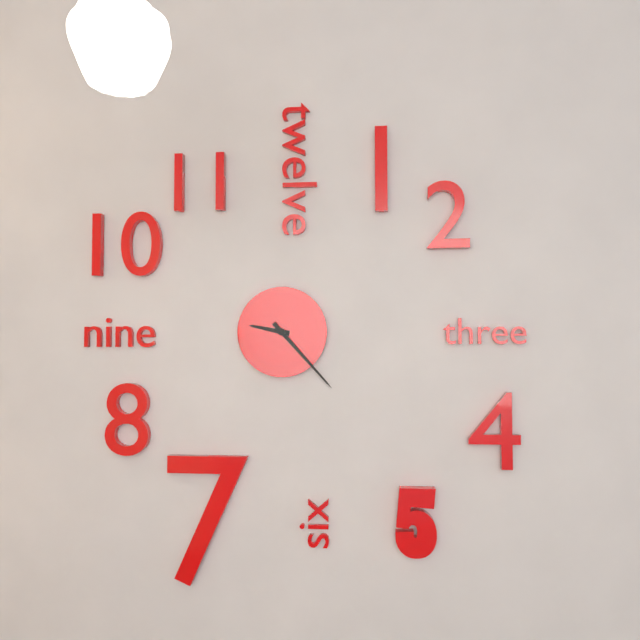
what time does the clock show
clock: 9:23
